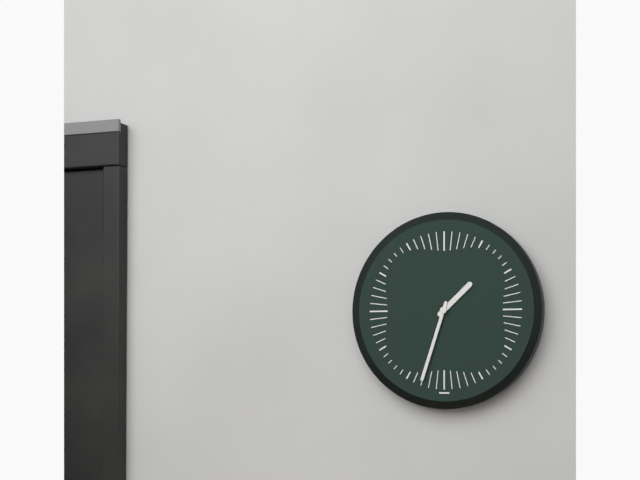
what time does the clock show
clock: 1:33
